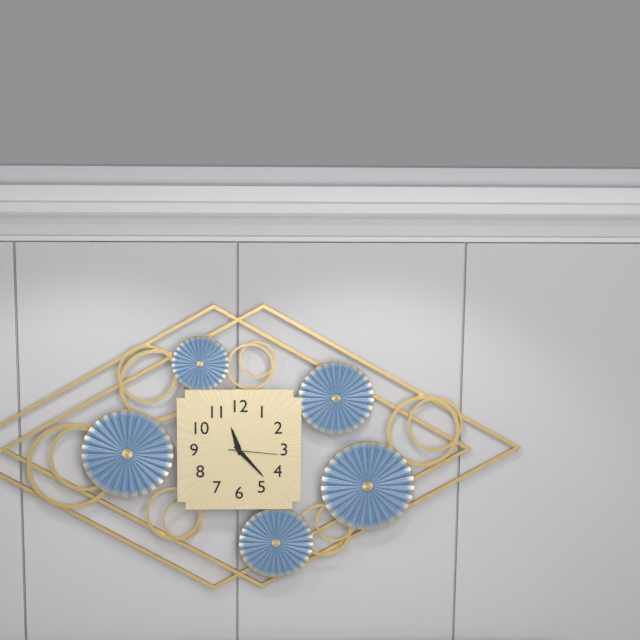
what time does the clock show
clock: 11:23
